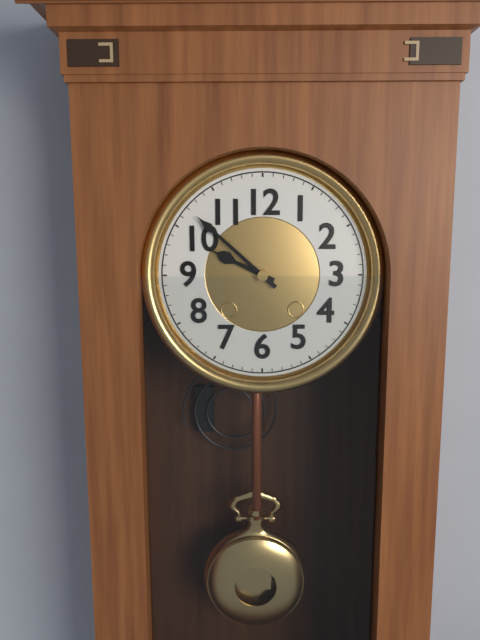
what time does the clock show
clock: 9:52
